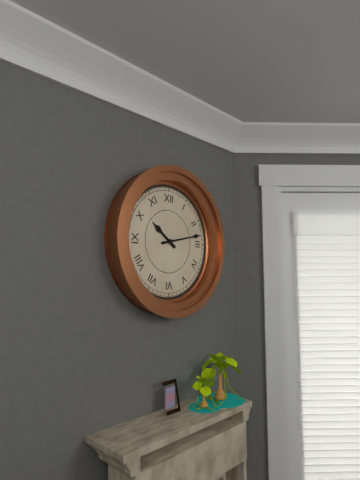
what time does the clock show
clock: 10:13
